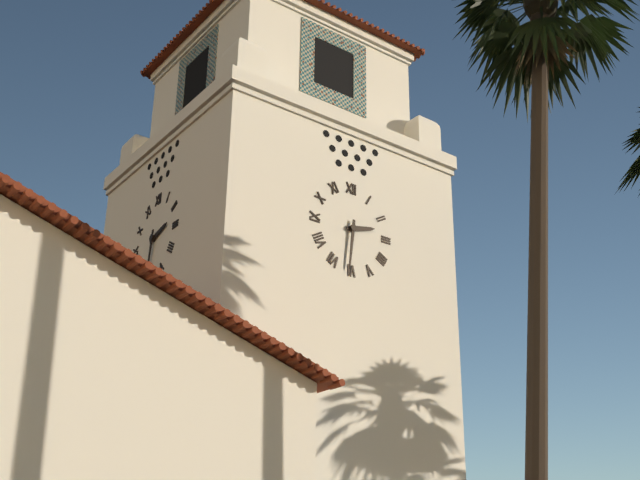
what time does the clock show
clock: 2:31
